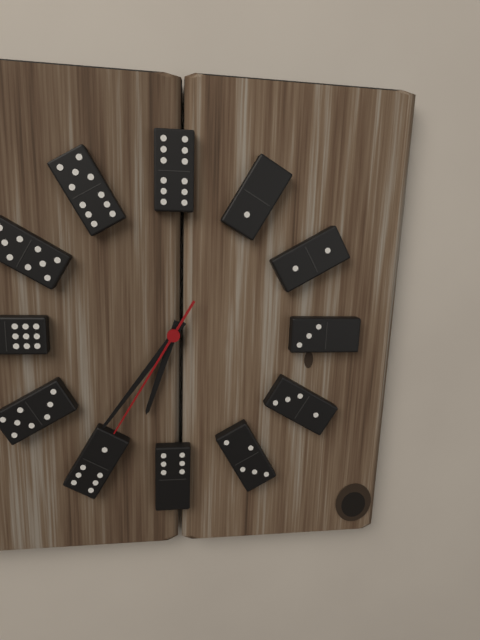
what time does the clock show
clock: 6:36:35
